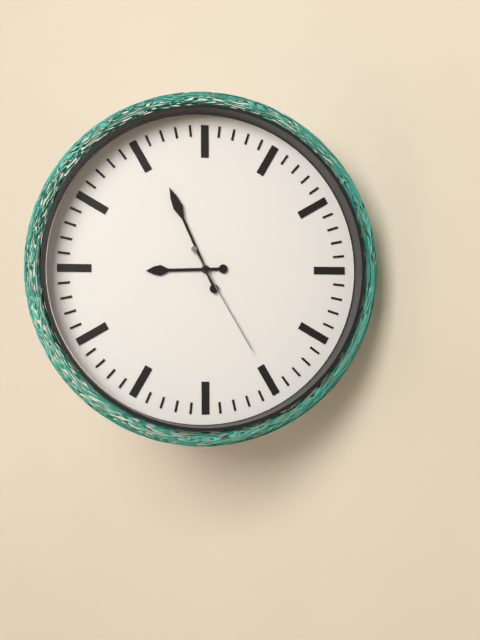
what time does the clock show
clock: 8:56:25
